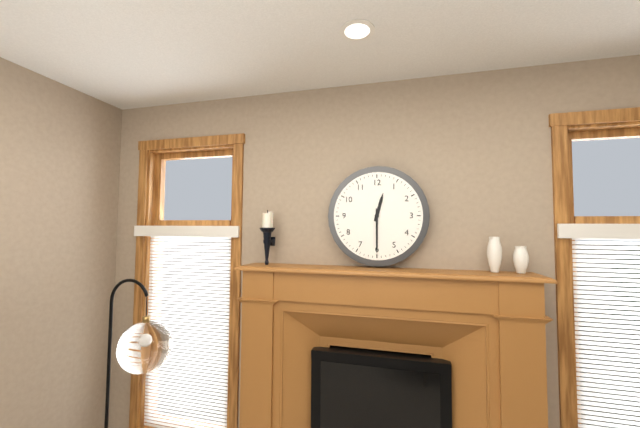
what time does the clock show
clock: 12:30
